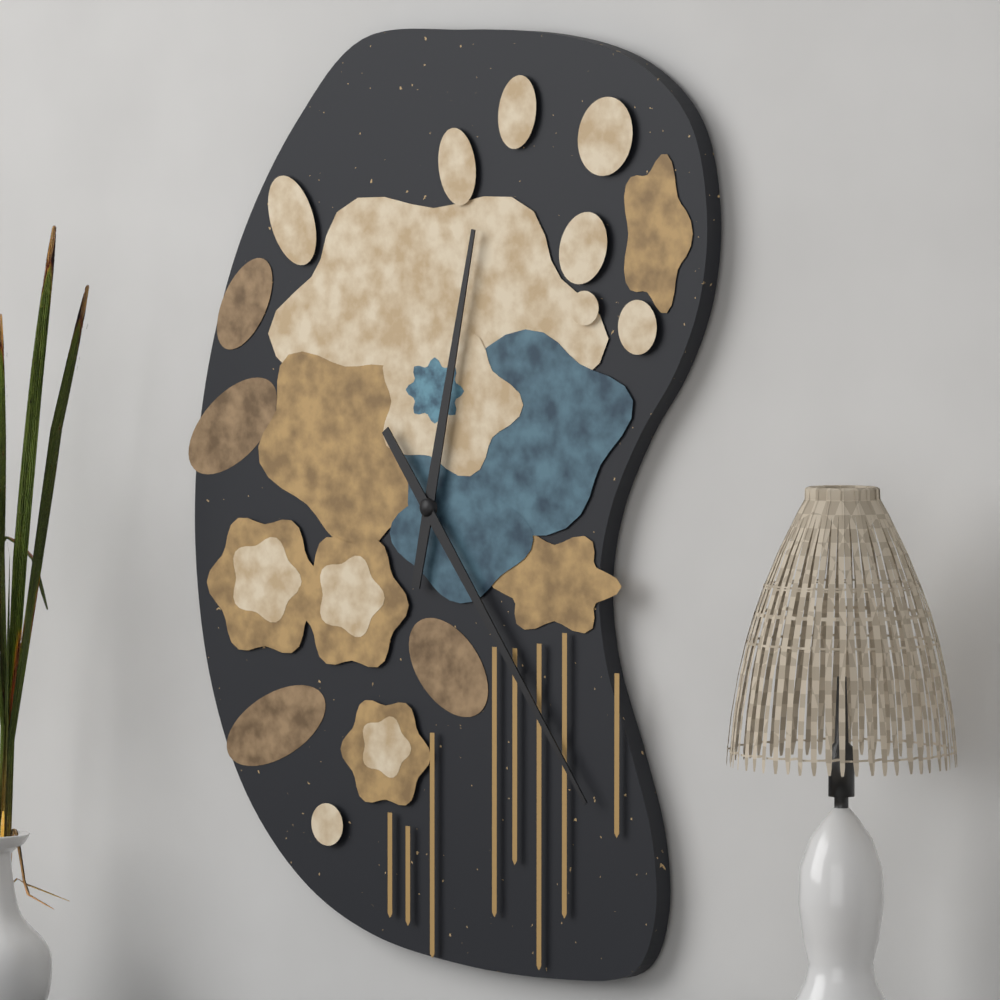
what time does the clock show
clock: 12:24
